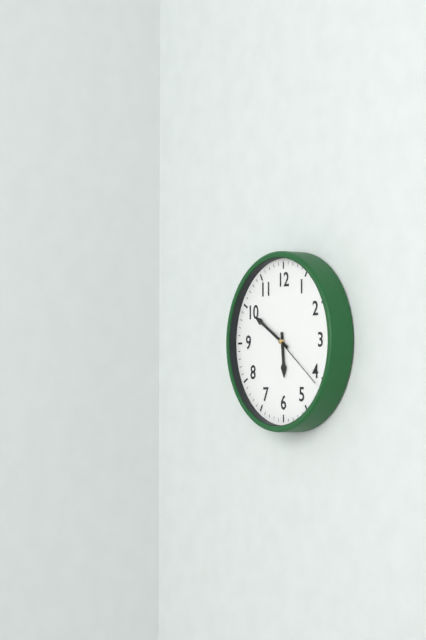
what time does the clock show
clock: 5:50:21
